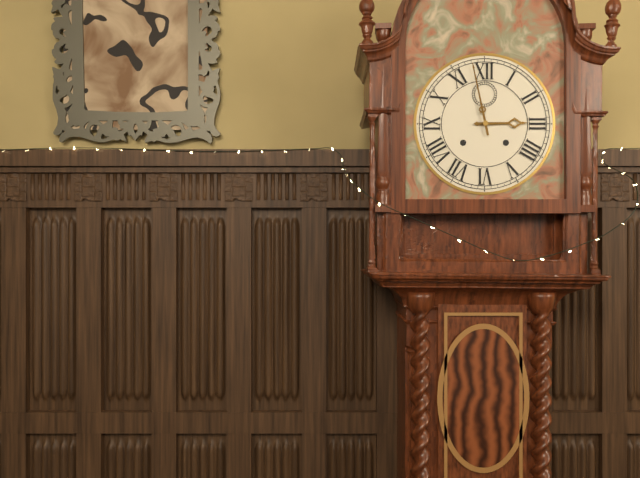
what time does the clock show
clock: 2:58
